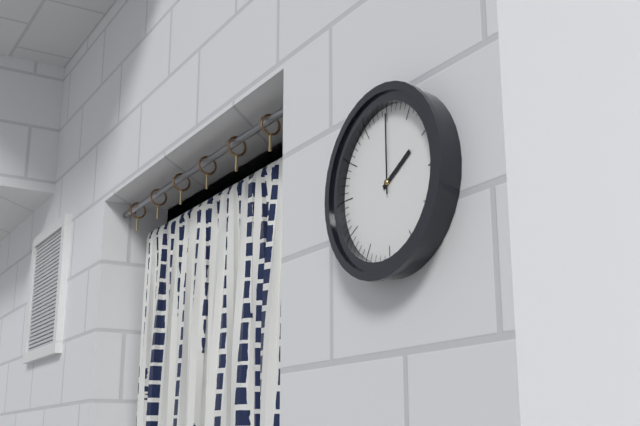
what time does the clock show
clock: 2:00
